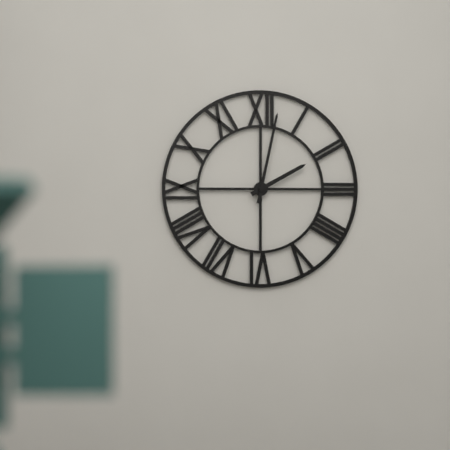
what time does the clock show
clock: 2:02
